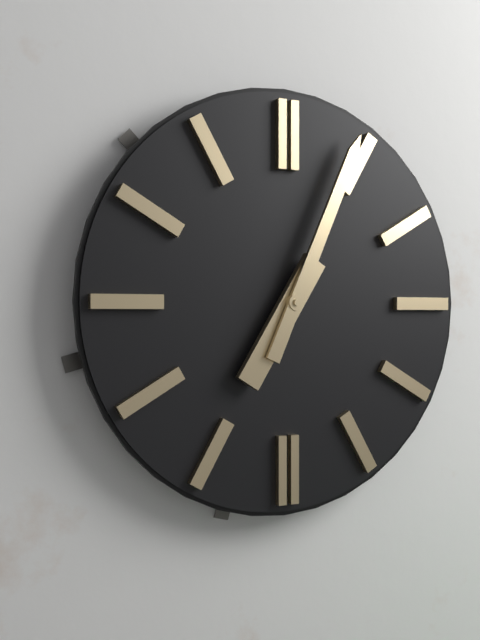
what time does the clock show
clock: 7:04
